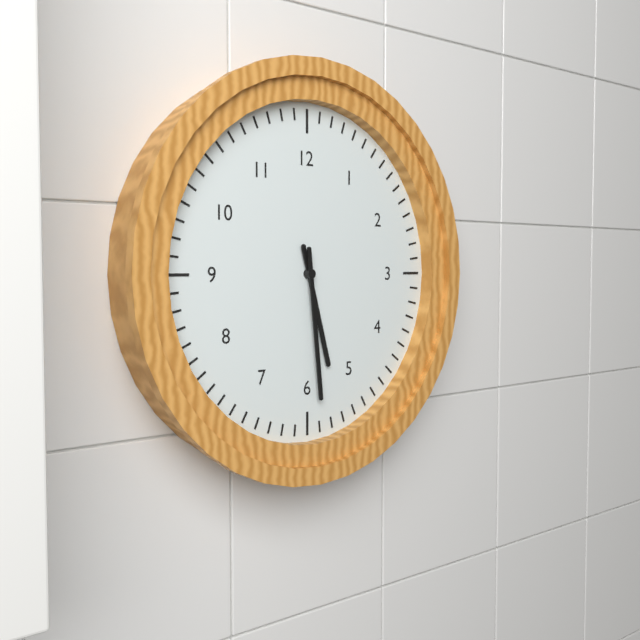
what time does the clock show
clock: 5:29
